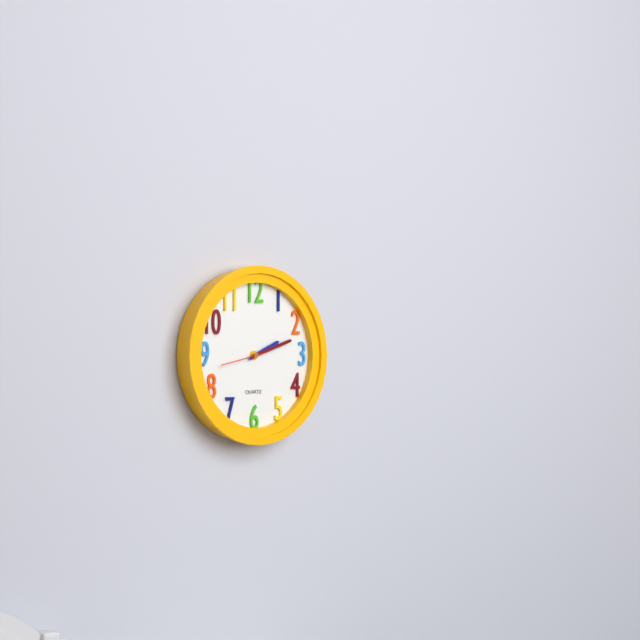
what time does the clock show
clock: 2:12
